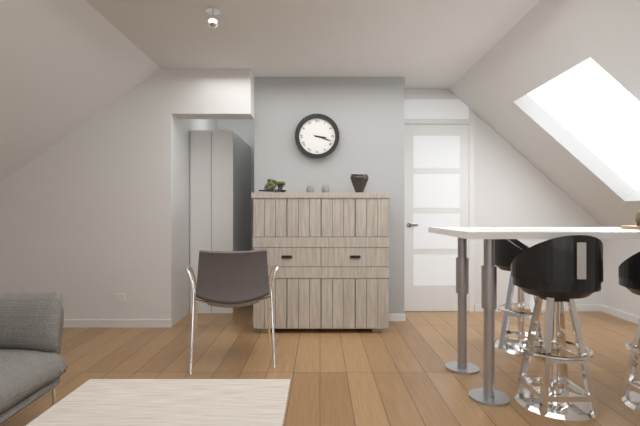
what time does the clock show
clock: 3:18
